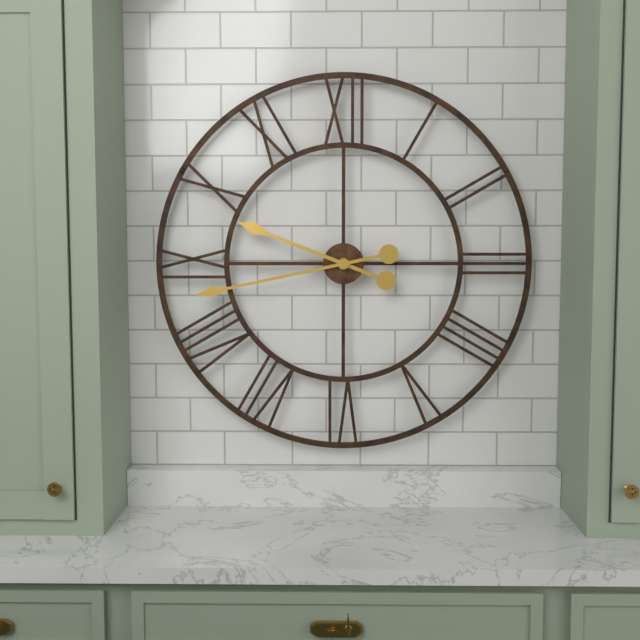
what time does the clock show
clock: 9:43
